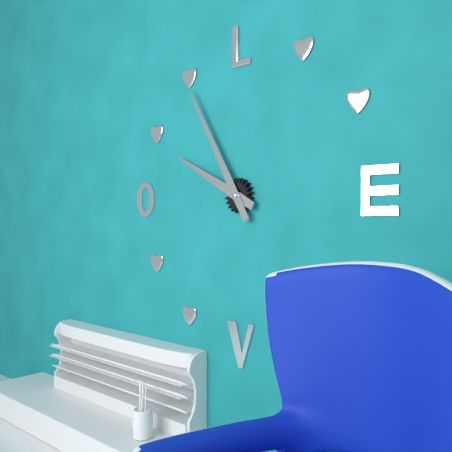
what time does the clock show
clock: 9:55
